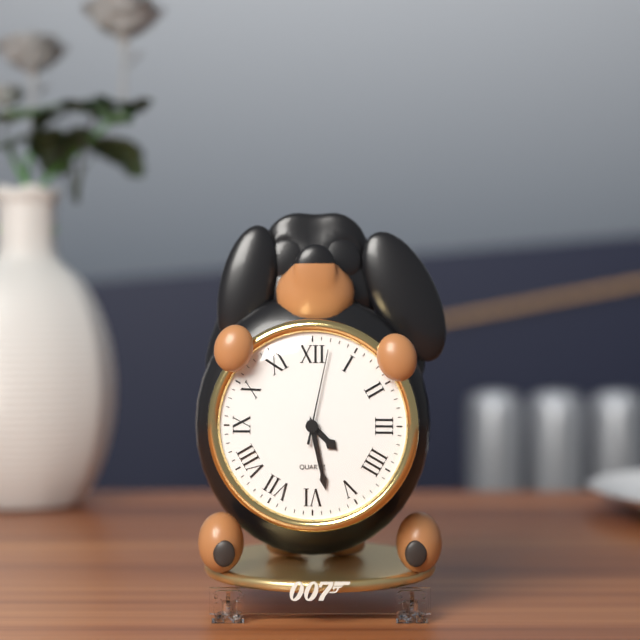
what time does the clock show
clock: 4:28:02
